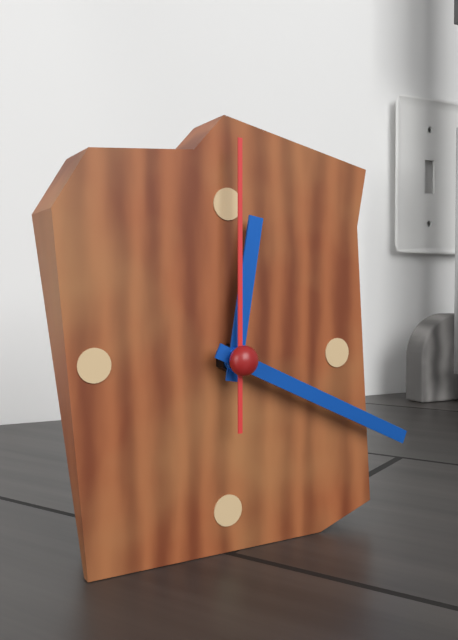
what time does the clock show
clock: 12:19:00
